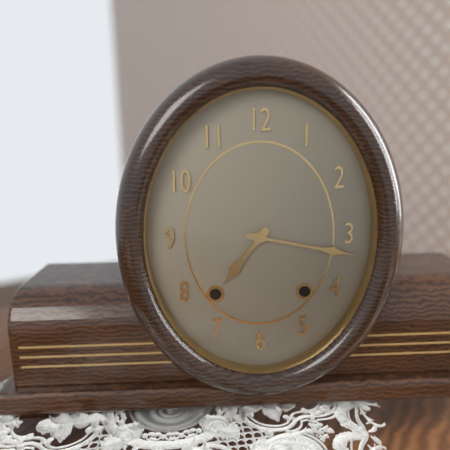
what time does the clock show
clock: 7:17
